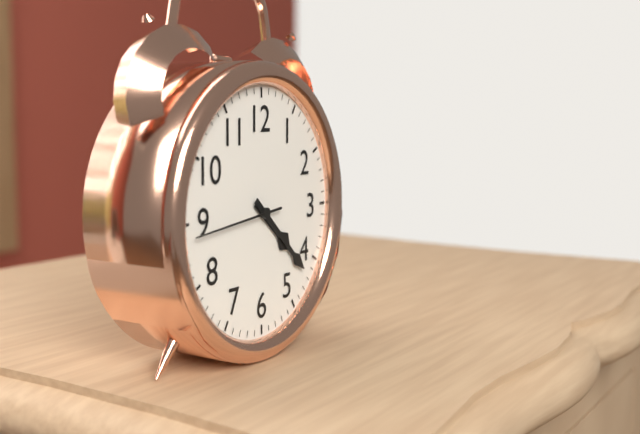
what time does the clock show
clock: 4:22:44
